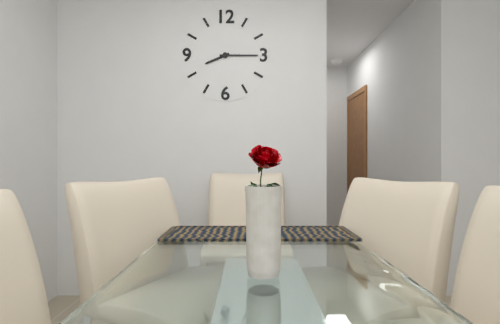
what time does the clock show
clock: 8:15
